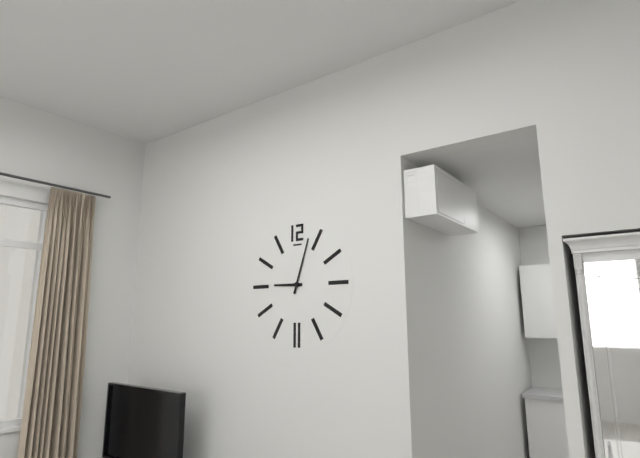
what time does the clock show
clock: 9:03
